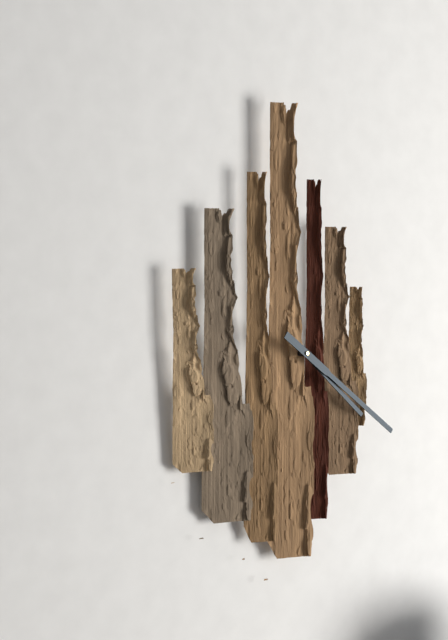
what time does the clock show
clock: 4:21
